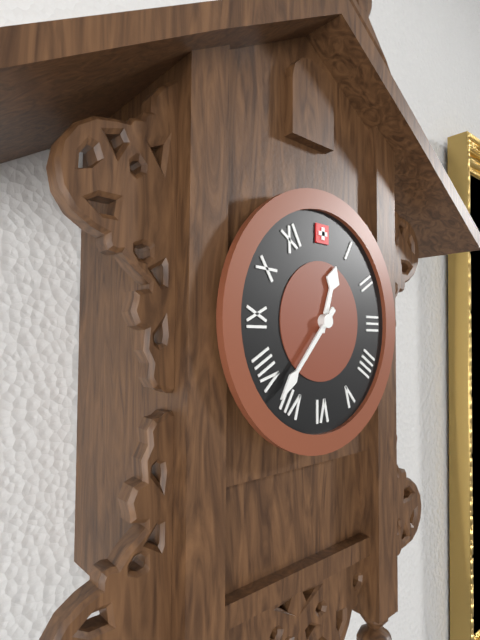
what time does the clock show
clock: 12:37
